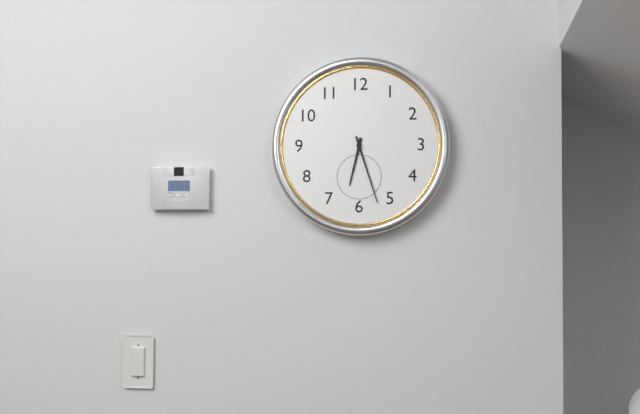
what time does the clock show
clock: 6:27
